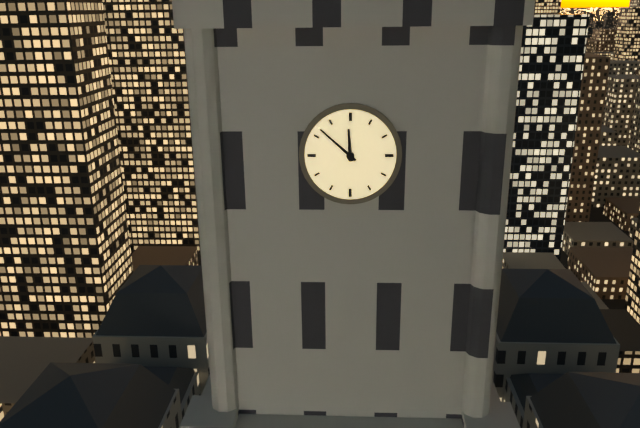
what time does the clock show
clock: 11:52
